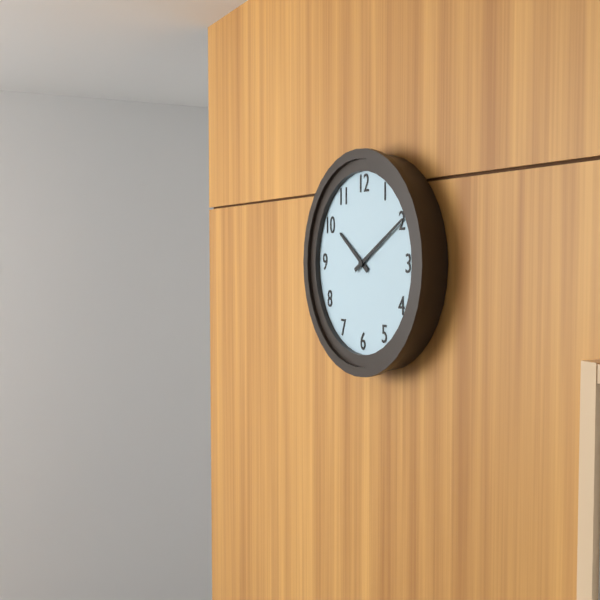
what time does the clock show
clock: 10:10
